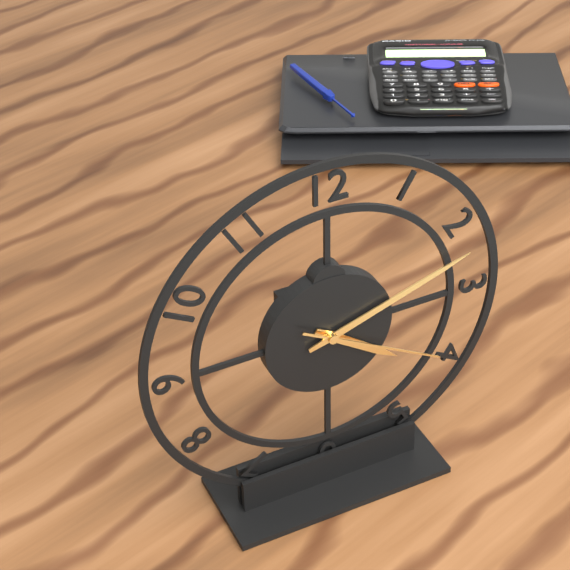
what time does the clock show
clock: 4:12:20
